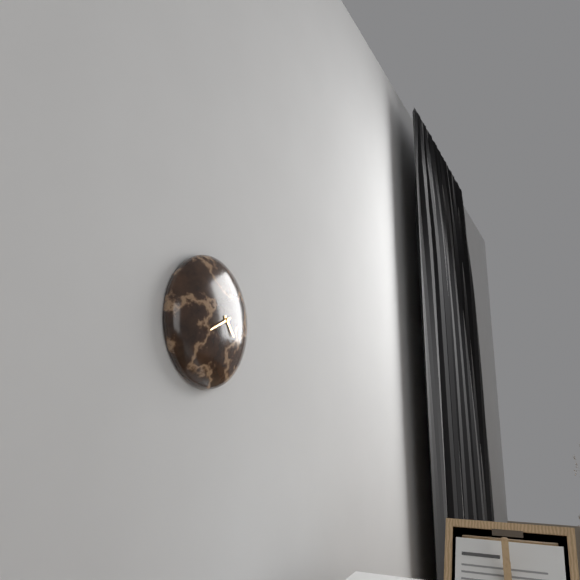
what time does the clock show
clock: 4:41
